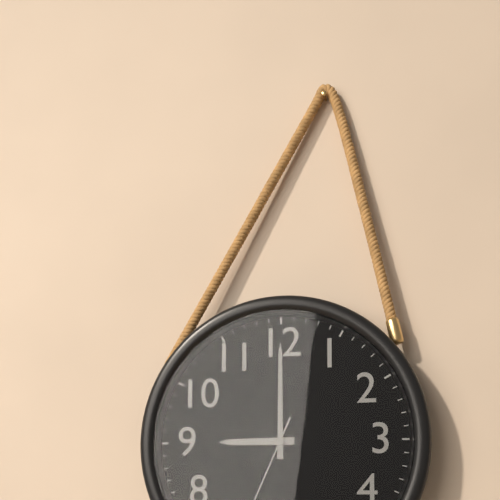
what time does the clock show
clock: 9:00
